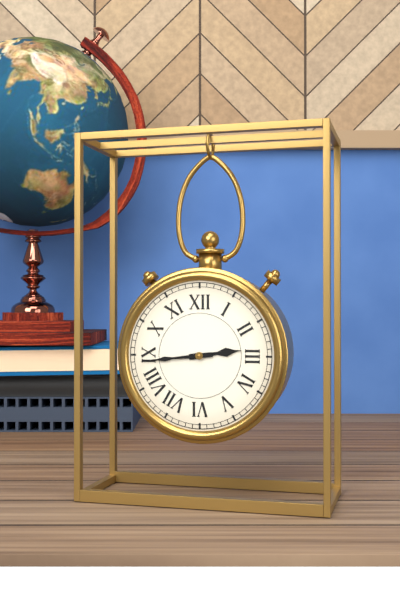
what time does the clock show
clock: 2:44
